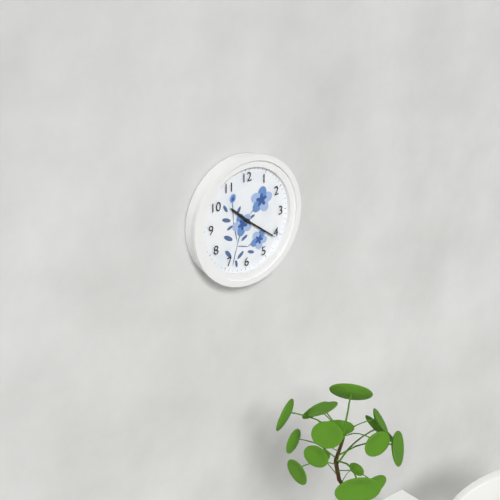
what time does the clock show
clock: 10:21
